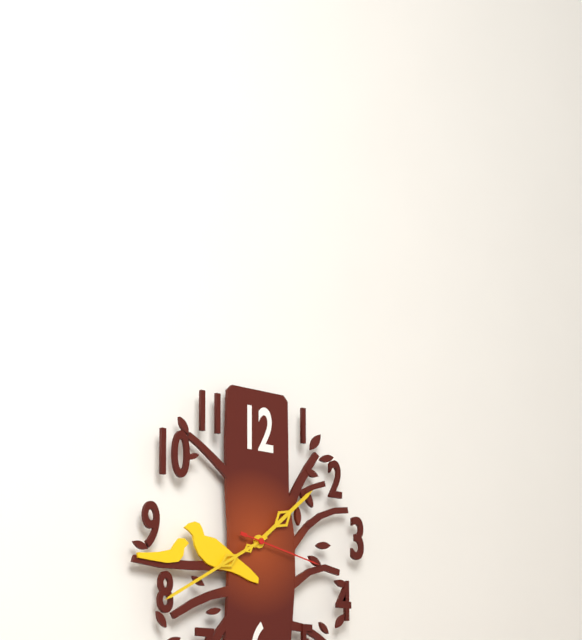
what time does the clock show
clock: 1:40:17
